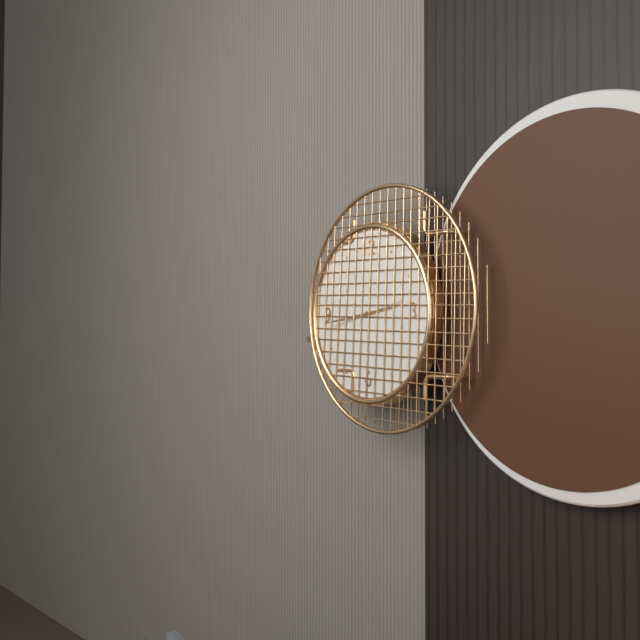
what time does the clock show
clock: 2:44
